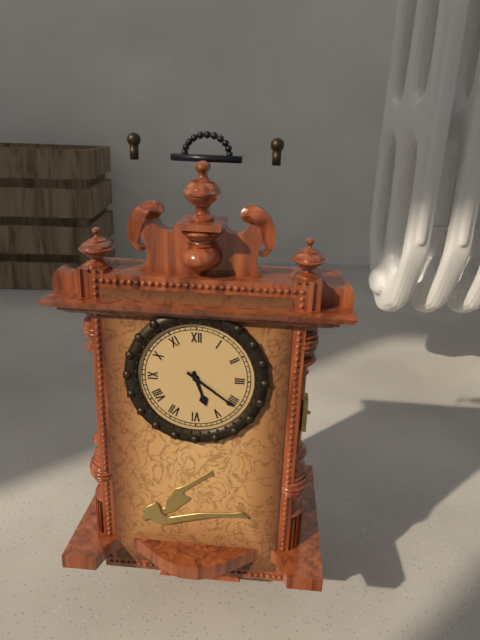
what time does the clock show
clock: 5:21
